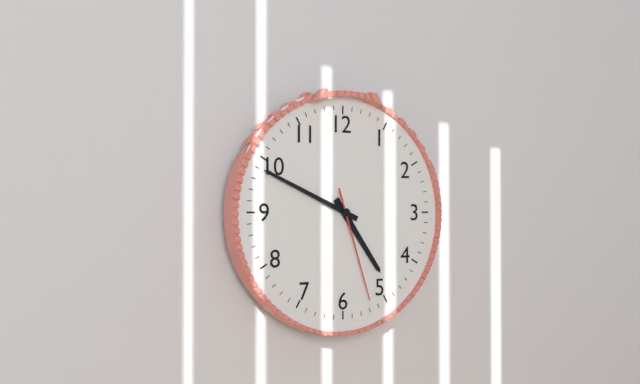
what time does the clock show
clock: 4:49:27
